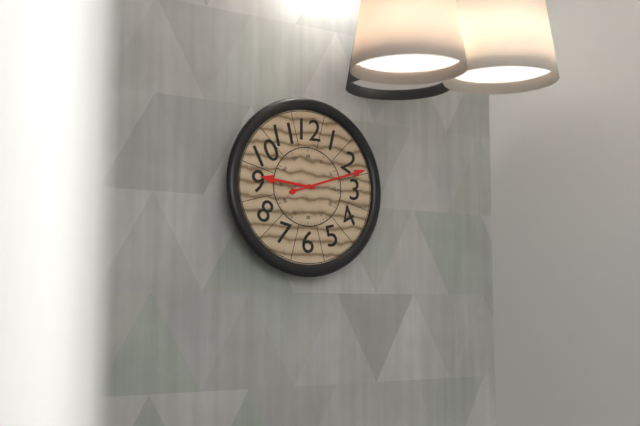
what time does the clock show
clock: 9:12
